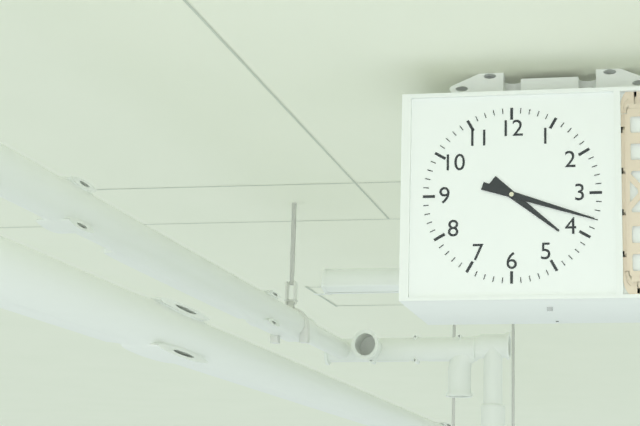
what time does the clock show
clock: 4:18
